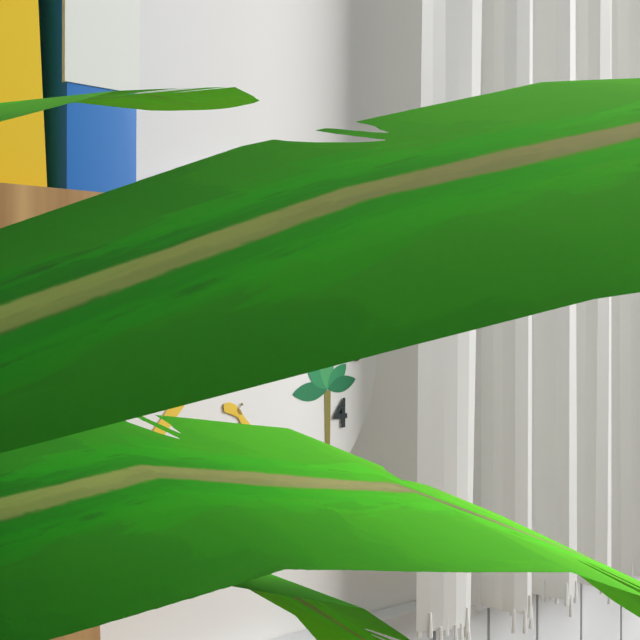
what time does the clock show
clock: 8:11:08
